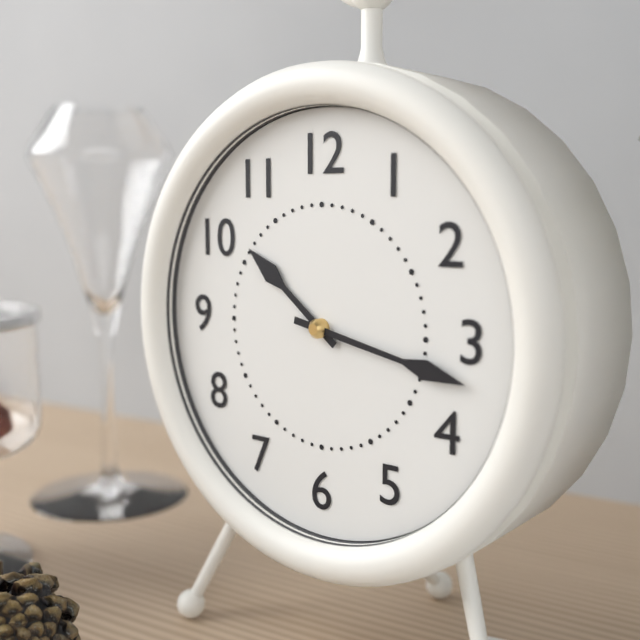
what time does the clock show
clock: 10:17
